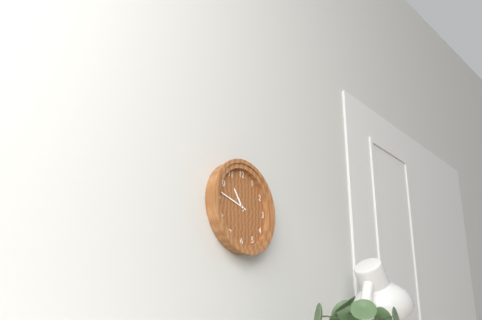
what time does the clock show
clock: 10:47
